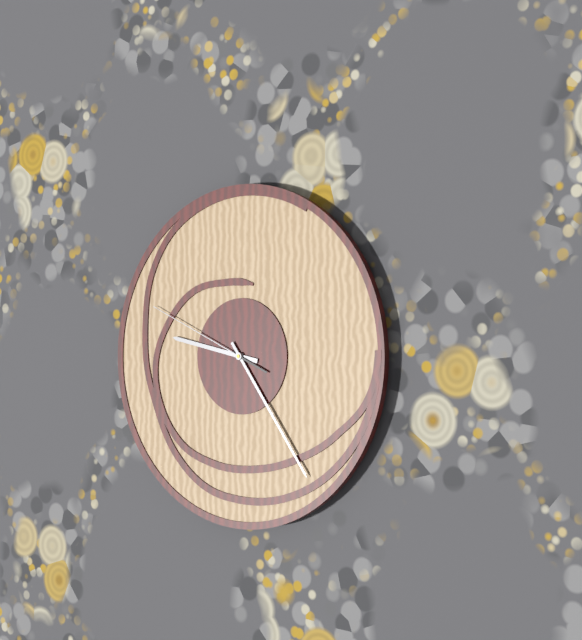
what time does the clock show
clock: 9:24:49
